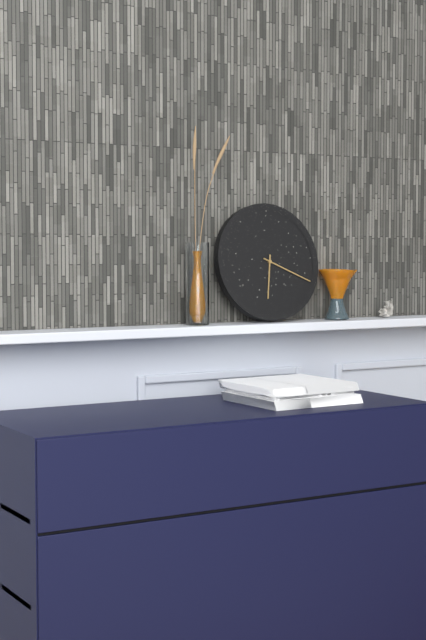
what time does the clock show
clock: 6:19
